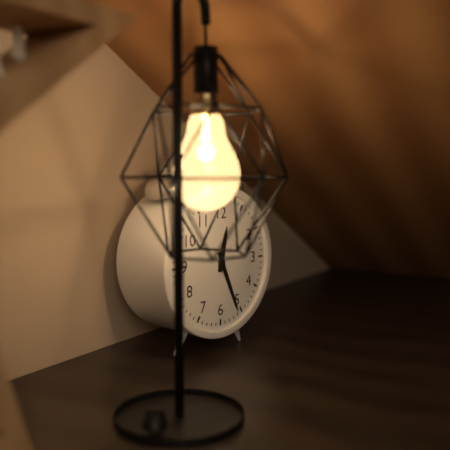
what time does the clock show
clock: 12:26
